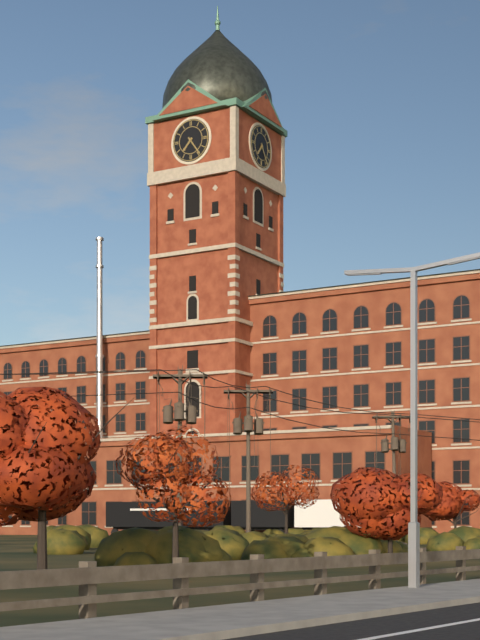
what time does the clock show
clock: 7:24
